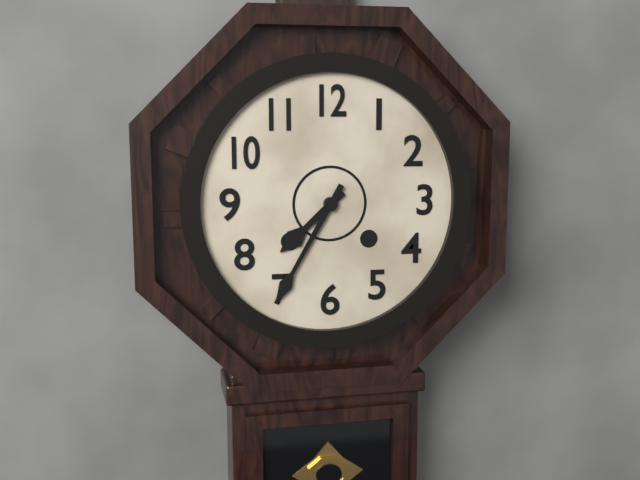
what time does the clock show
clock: 7:35
